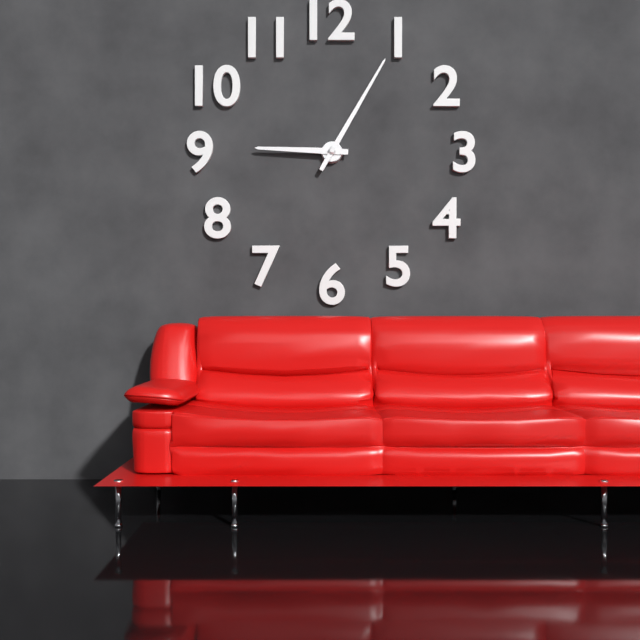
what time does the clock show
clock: 9:05
